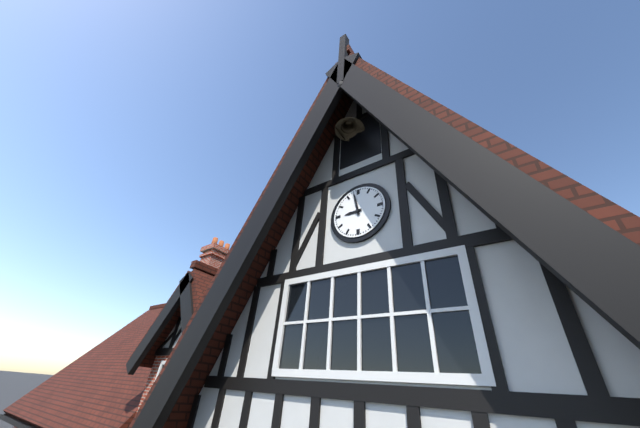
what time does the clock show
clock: 8:58
